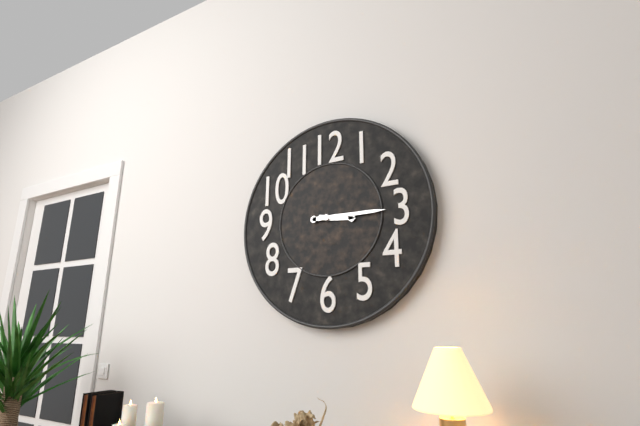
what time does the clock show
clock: 3:15
